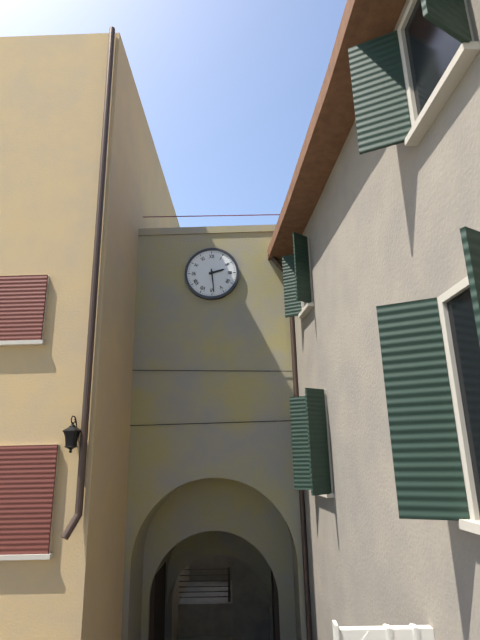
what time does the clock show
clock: 2:29
